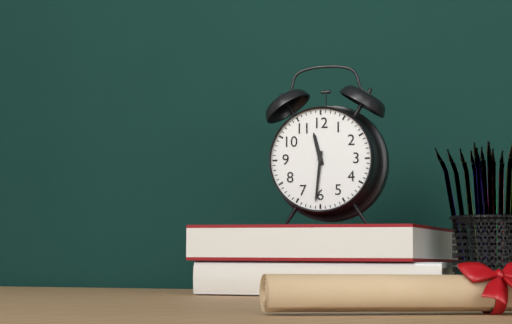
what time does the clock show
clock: 11:31
